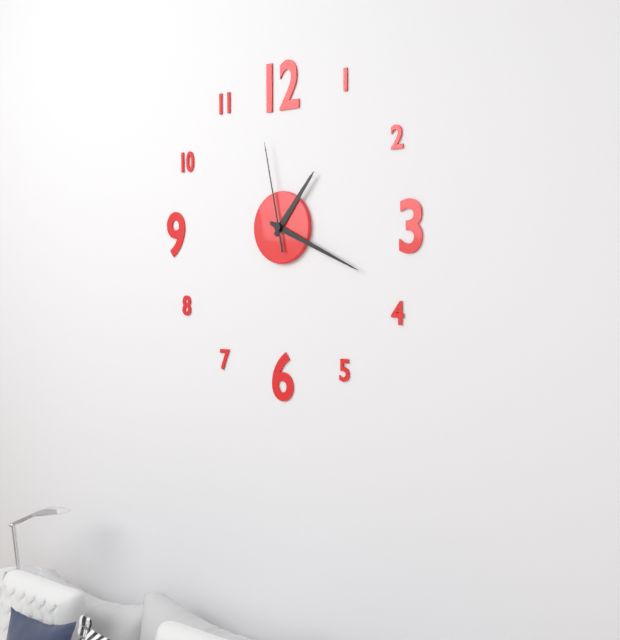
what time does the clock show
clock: 1:19:58
